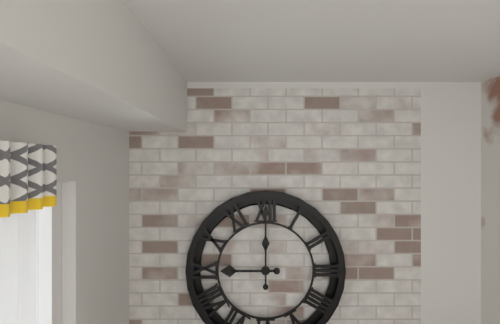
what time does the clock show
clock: 9:00
